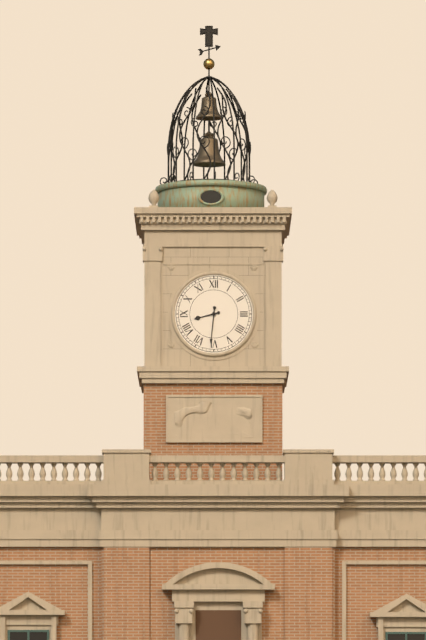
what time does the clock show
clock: 8:31
